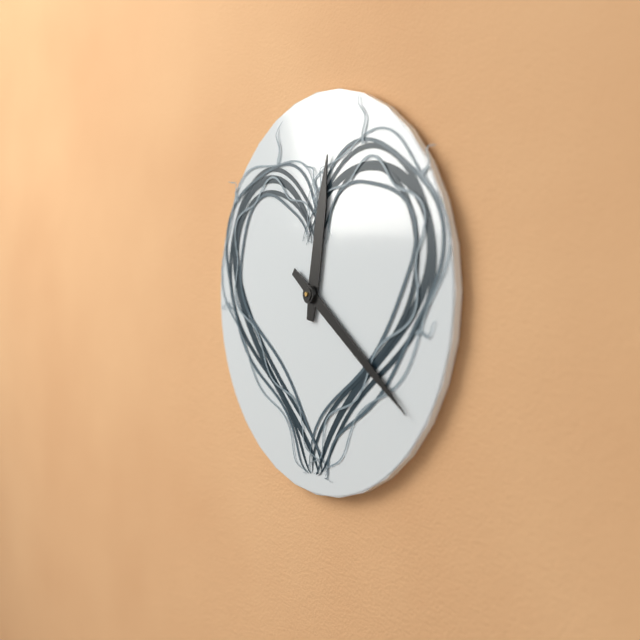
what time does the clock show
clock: 12:21
